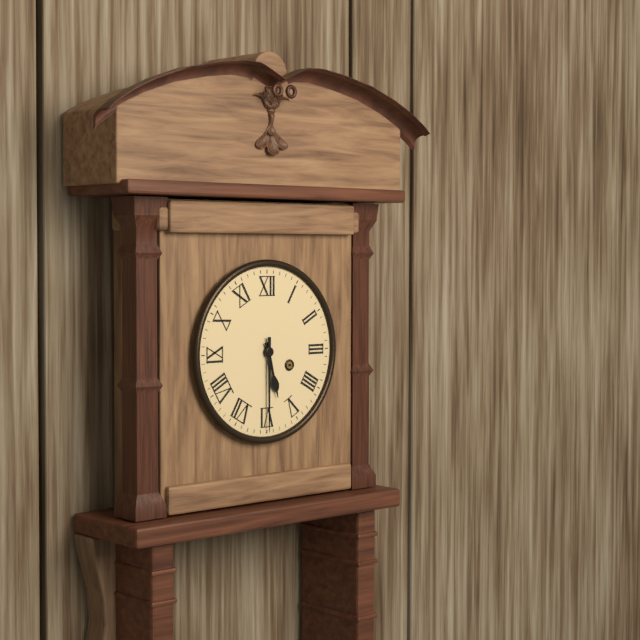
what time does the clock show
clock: 5:30
